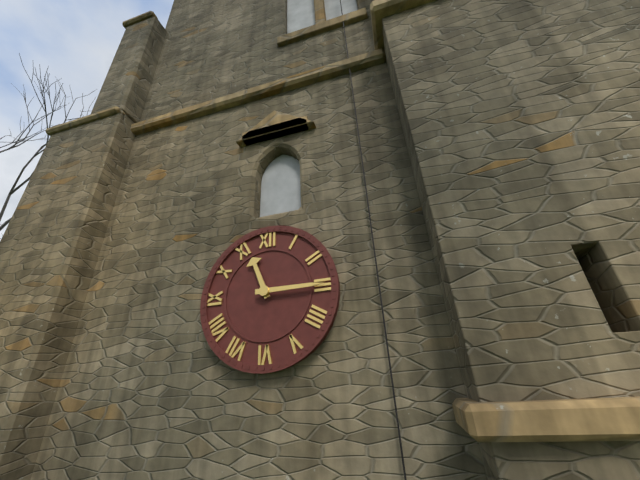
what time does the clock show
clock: 11:15
